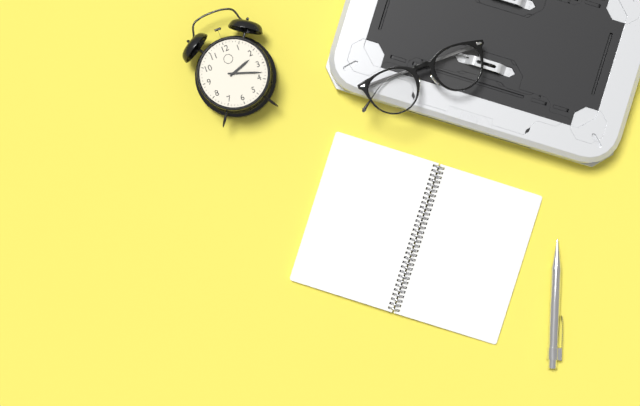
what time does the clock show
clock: 2:18
